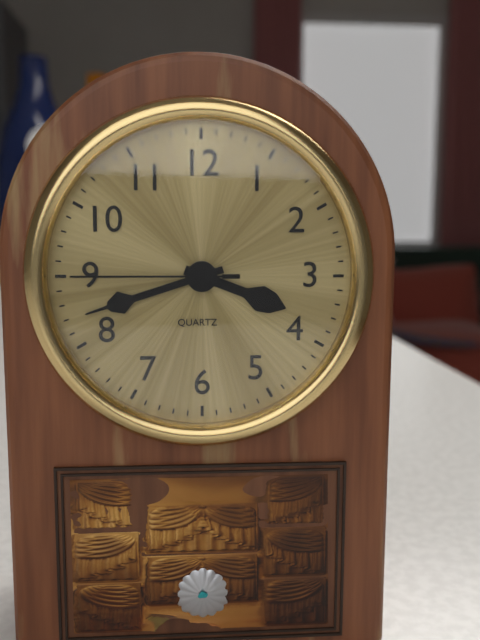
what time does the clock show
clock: 3:42:45
